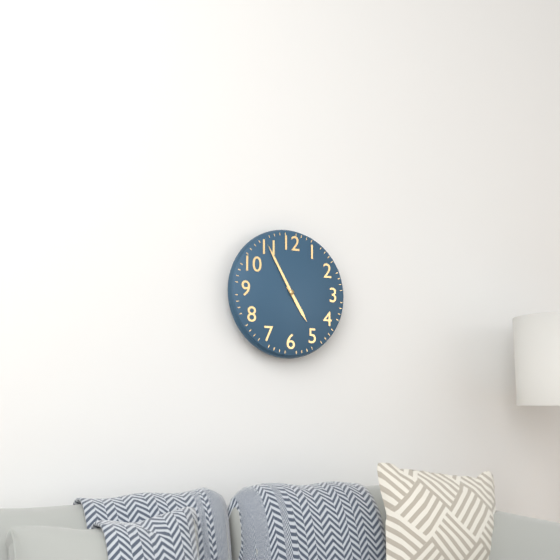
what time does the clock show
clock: 4:55
